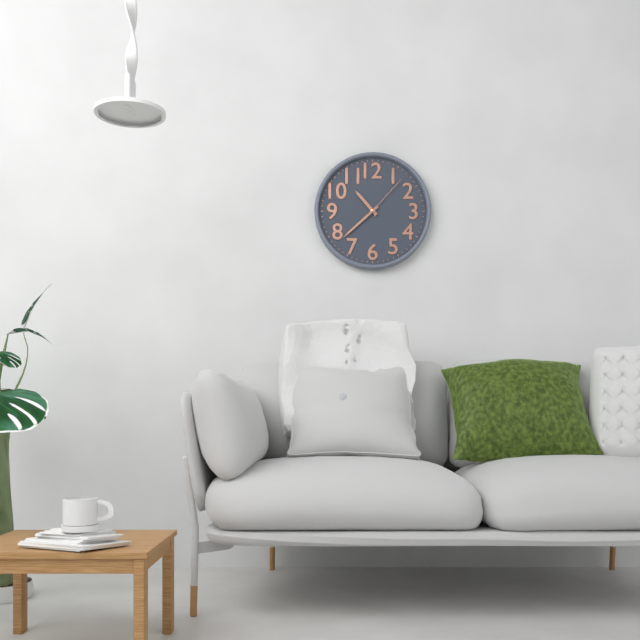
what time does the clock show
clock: 10:38:07
